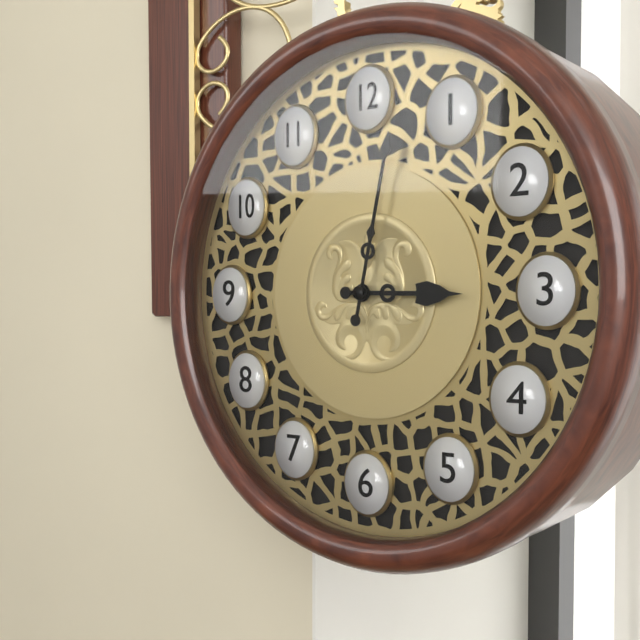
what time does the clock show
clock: 3:02
